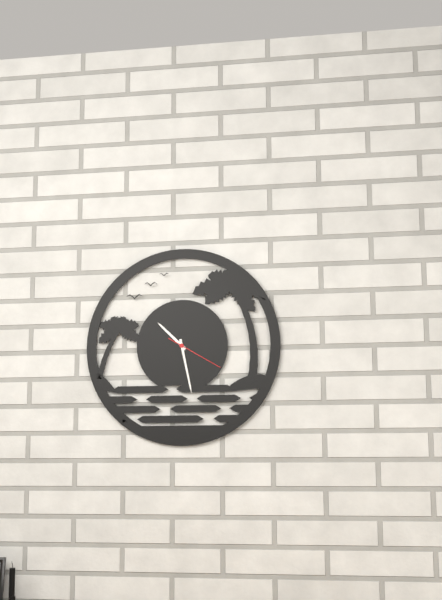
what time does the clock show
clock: 10:28:20
